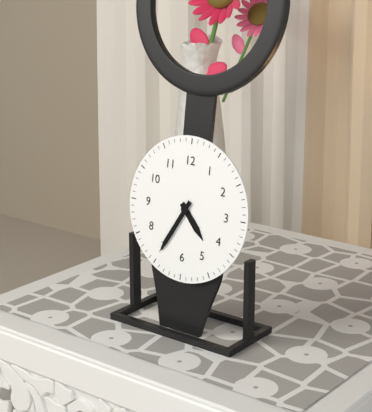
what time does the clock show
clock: 4:35
